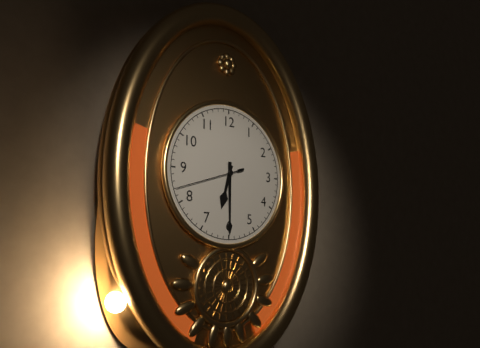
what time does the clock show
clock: 6:30:42
